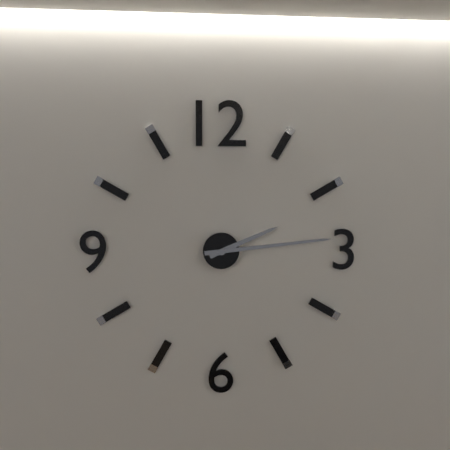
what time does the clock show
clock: 2:14
